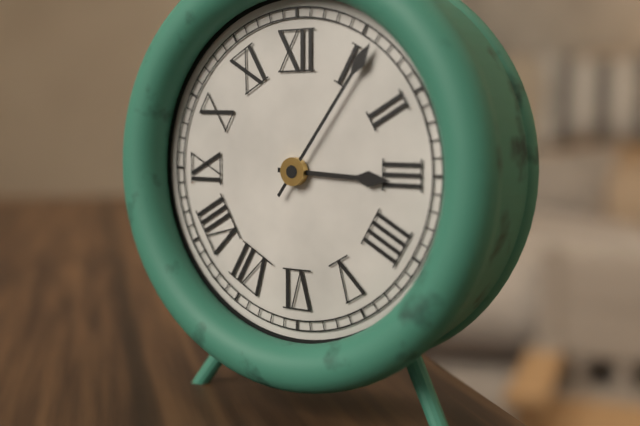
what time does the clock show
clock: 3:06
